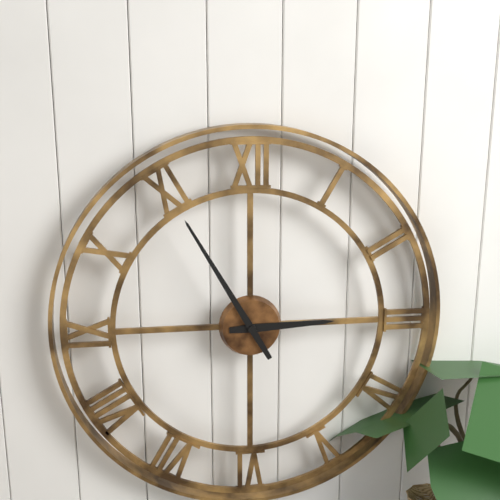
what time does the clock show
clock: 2:55
